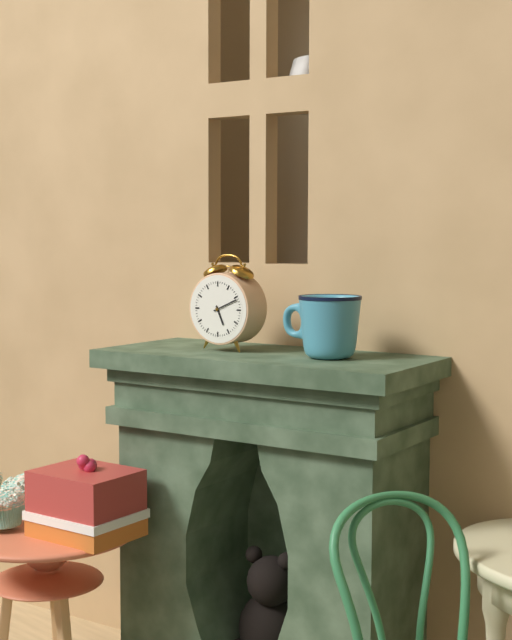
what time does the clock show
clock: 5:11
